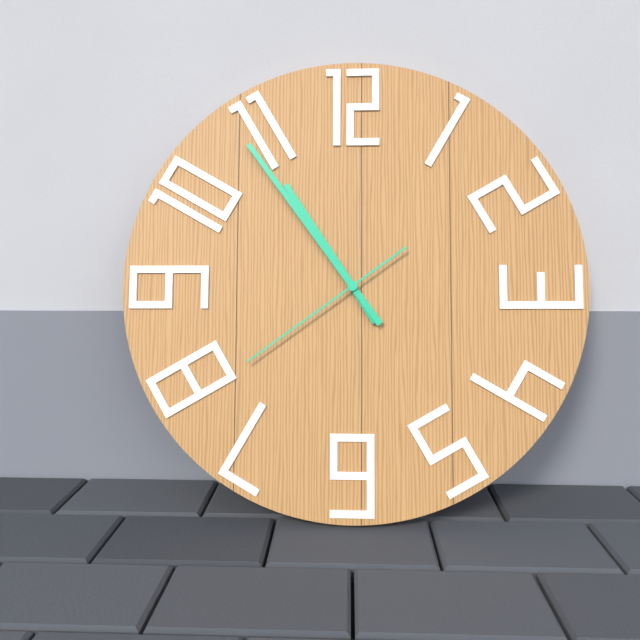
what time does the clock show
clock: 10:54:39
